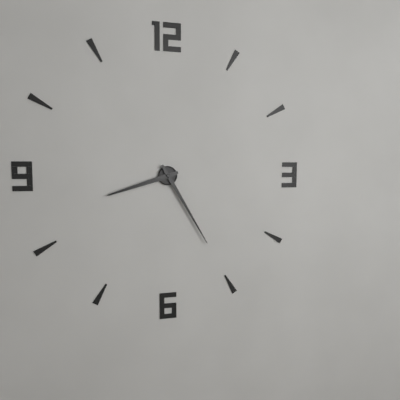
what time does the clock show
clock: 8:25
